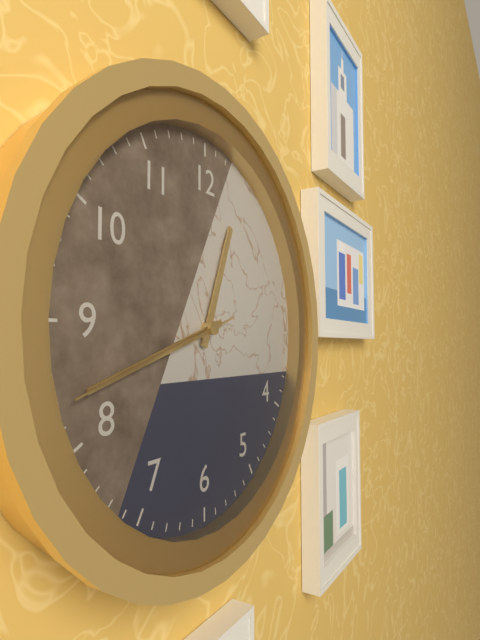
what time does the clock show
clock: 12:42:42
